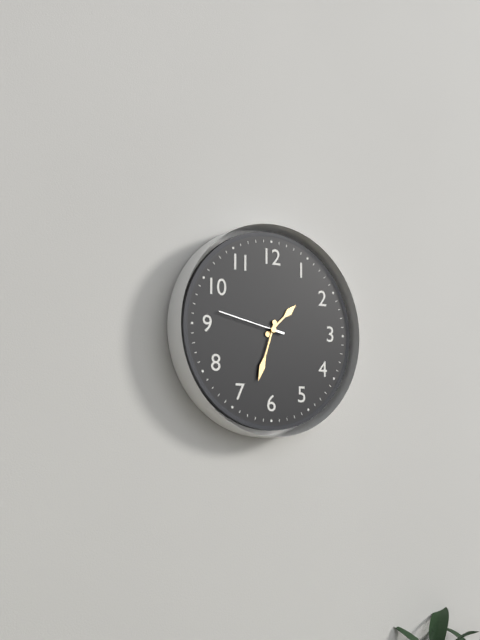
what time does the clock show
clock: 1:33:47
